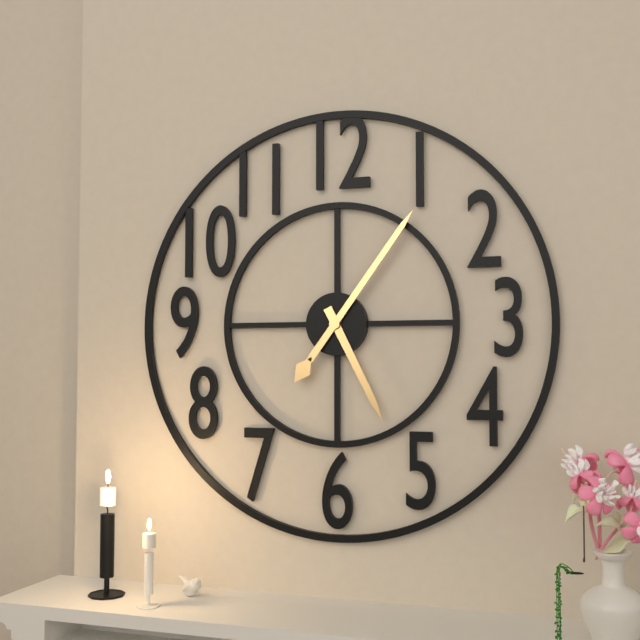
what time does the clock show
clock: 5:06
